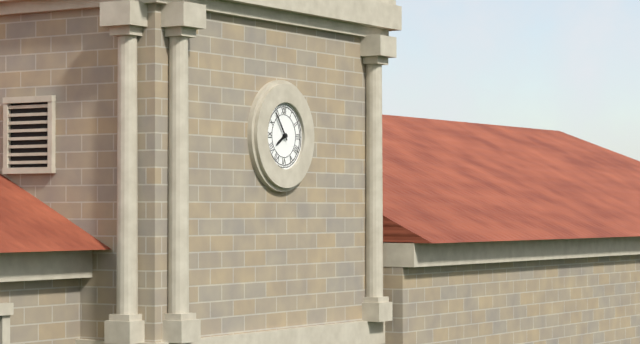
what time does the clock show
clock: 7:54
